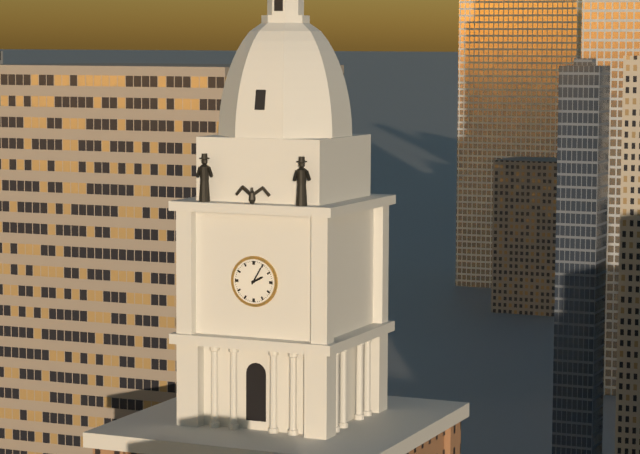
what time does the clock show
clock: 2:05
